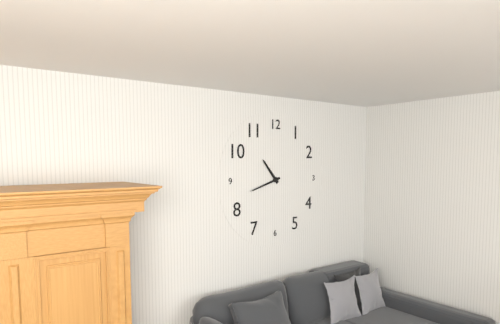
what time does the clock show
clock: 10:42
